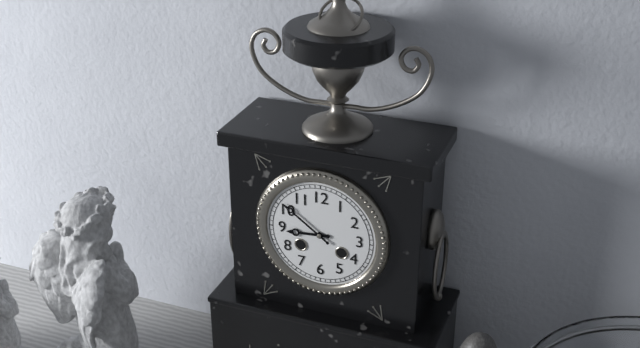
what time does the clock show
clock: 8:51
